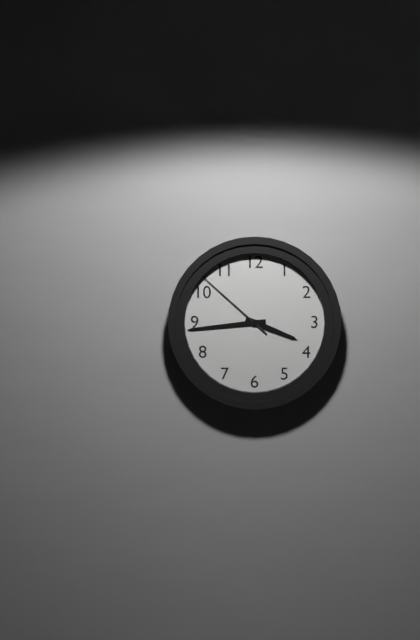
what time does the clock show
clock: 3:44:52
